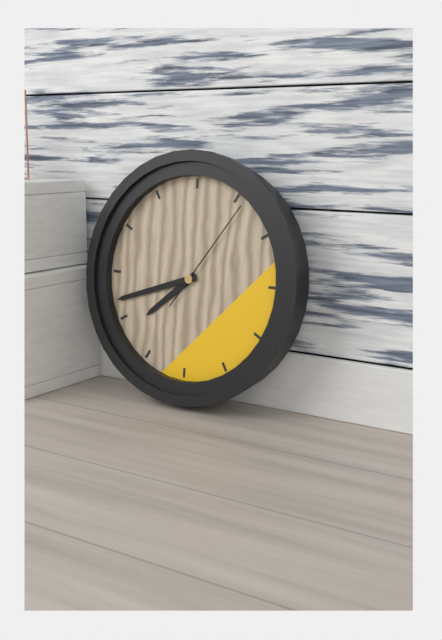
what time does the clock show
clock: 7:42:06
